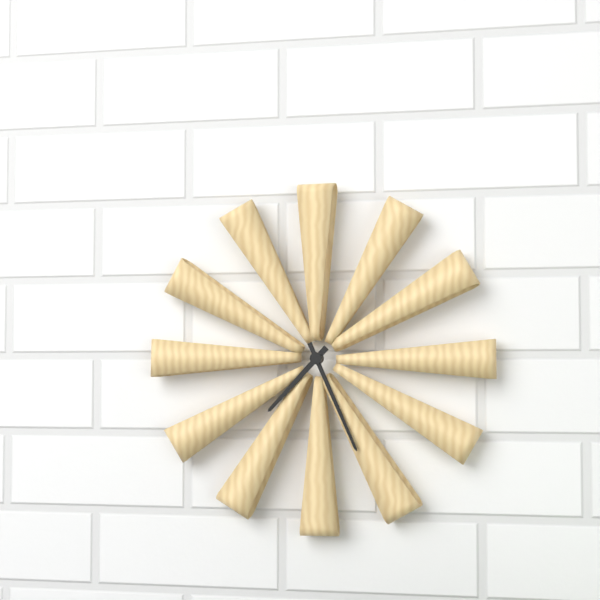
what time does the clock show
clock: 7:26
